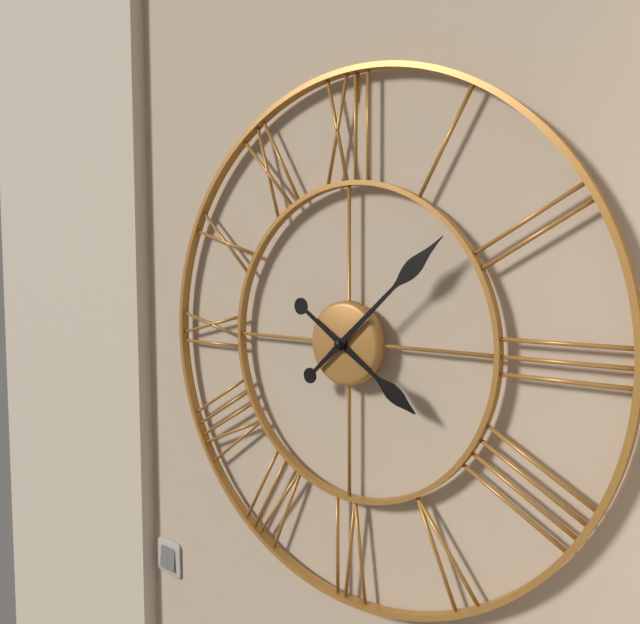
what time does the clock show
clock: 4:08
